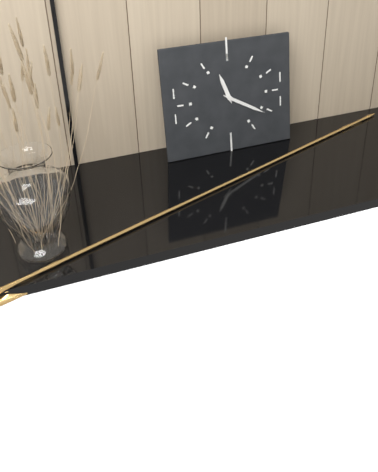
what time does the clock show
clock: 11:20
